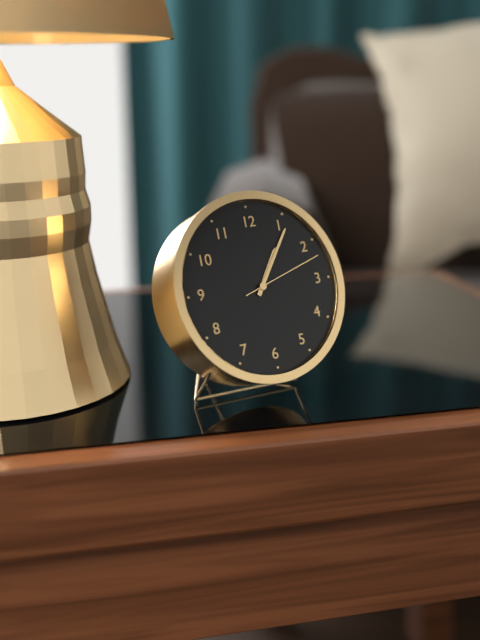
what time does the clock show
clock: 1:06:12
